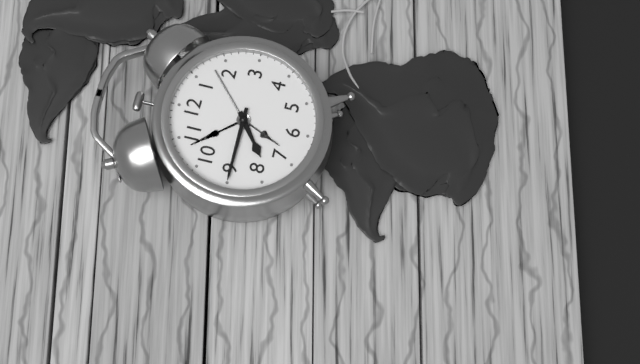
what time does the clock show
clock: 7:45
